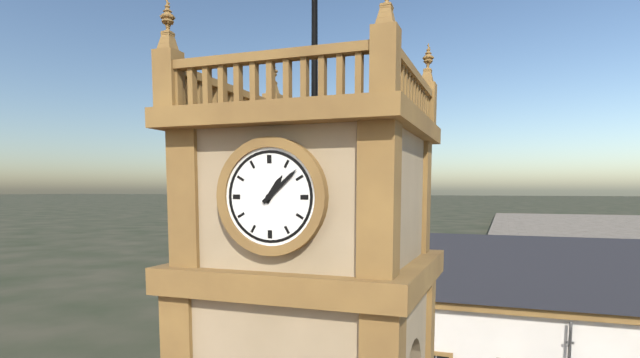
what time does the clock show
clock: 1:08
